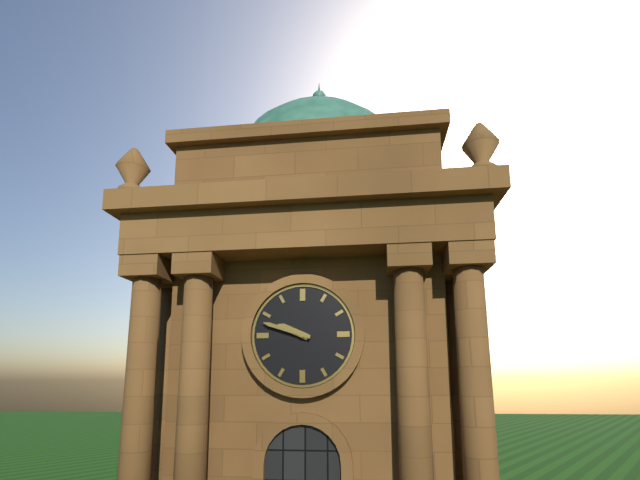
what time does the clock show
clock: 9:48
